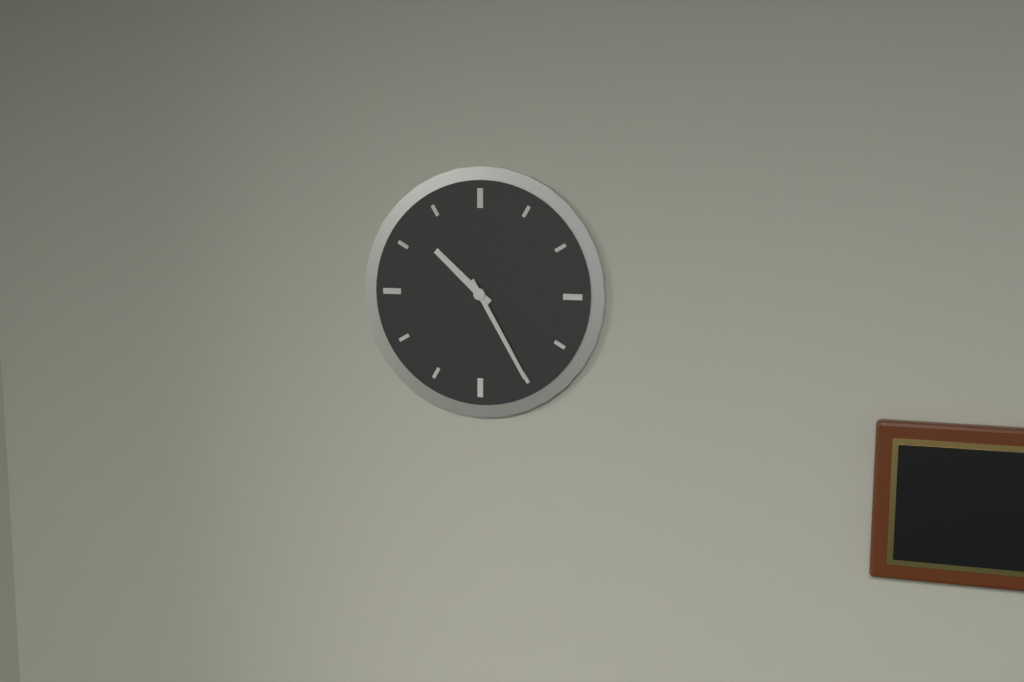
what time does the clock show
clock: 10:25
